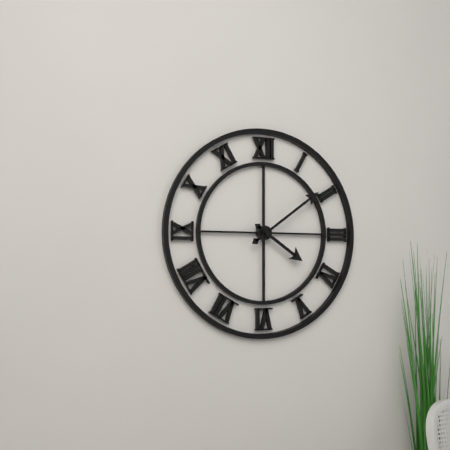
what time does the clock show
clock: 4:09
